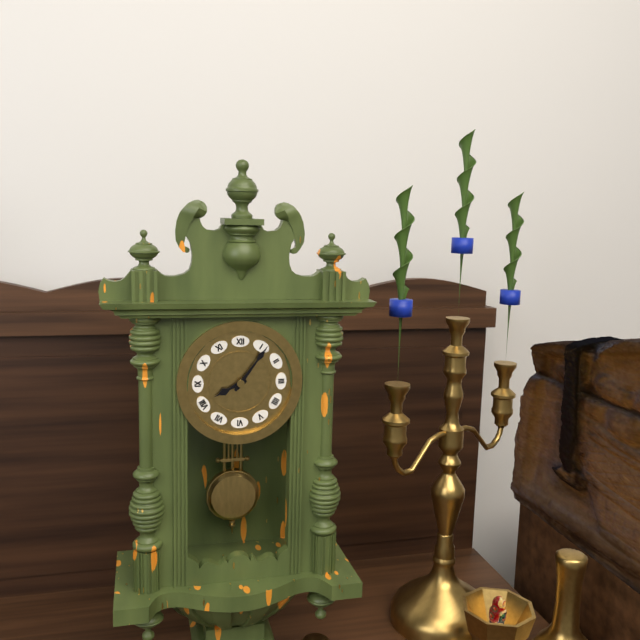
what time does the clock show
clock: 8:06
